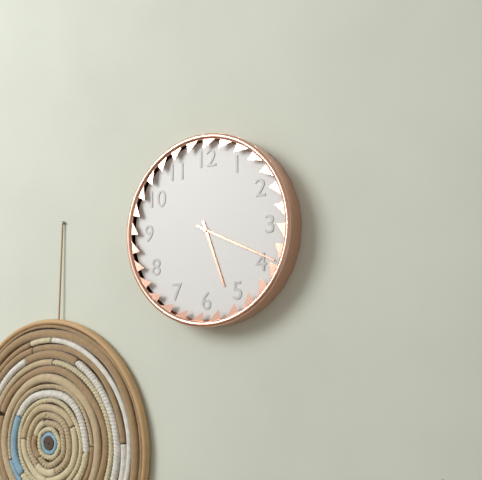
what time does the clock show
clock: 5:19
